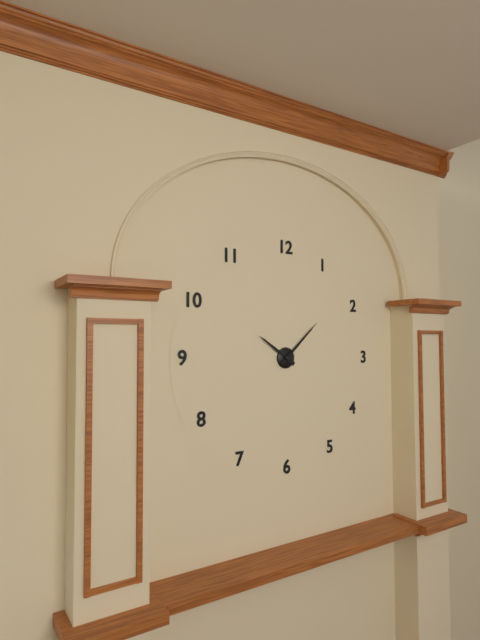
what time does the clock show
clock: 10:08
